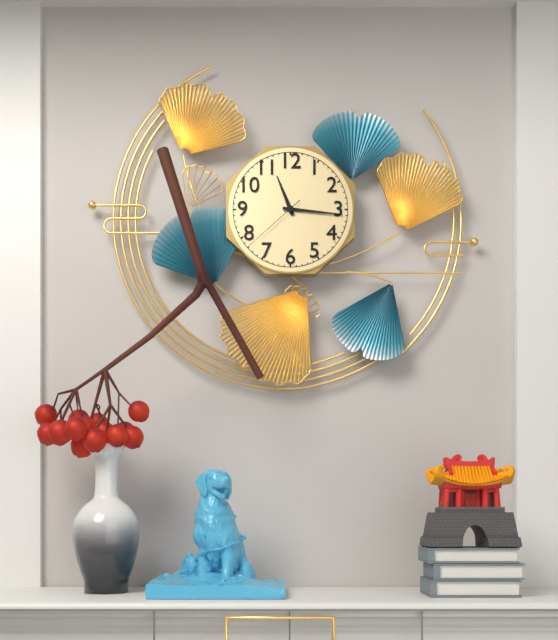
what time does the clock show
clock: 11:16:38
